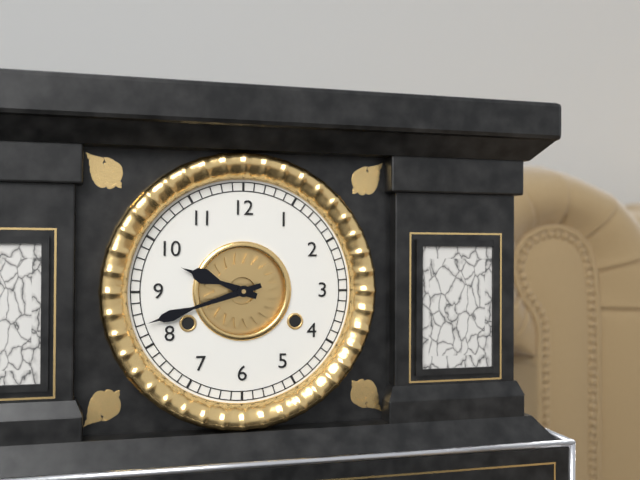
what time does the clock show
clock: 9:42
